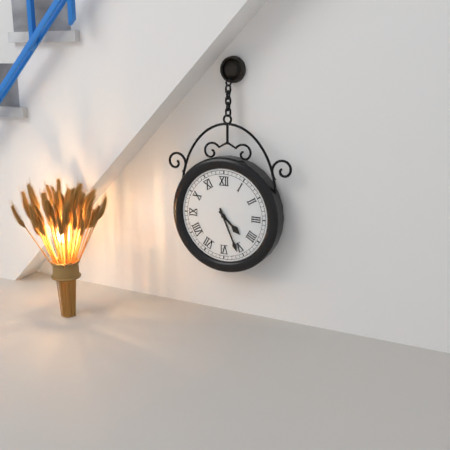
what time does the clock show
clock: 4:26
